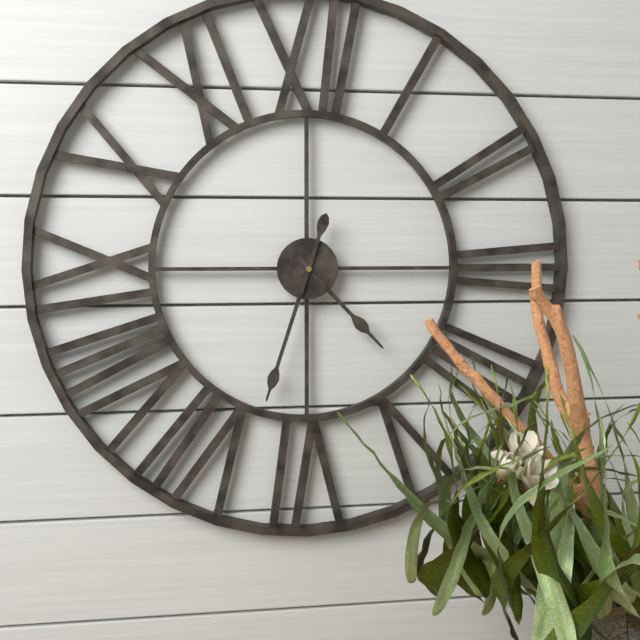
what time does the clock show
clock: 4:33
